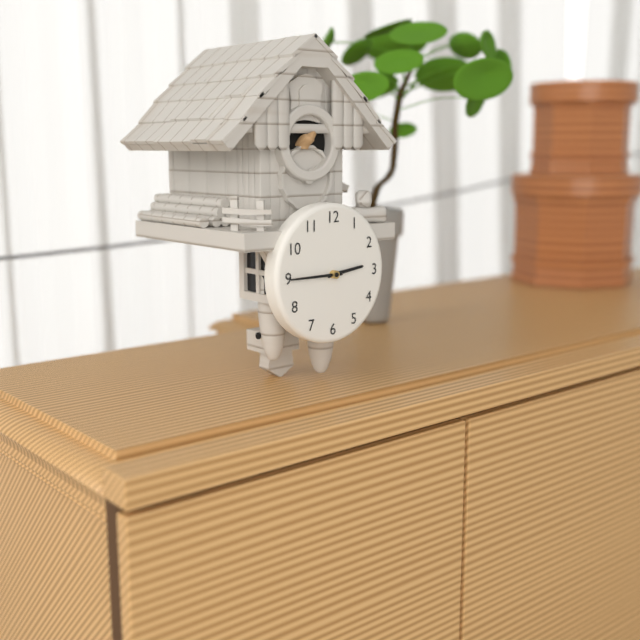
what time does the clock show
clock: 2:45
